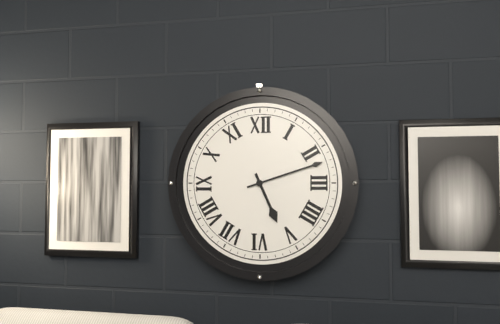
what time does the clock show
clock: 5:12
